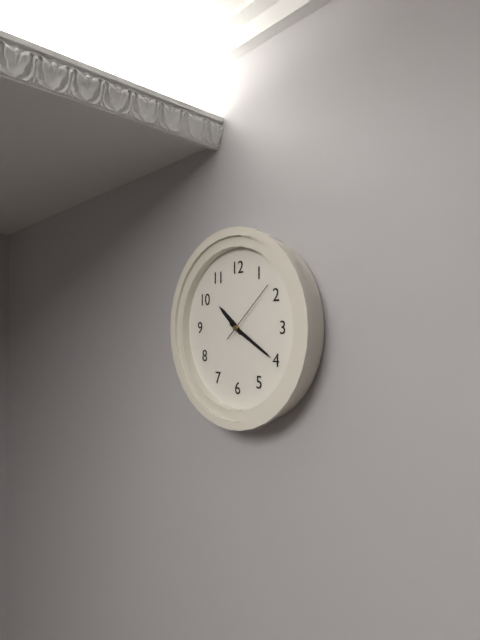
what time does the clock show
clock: 10:20:08
